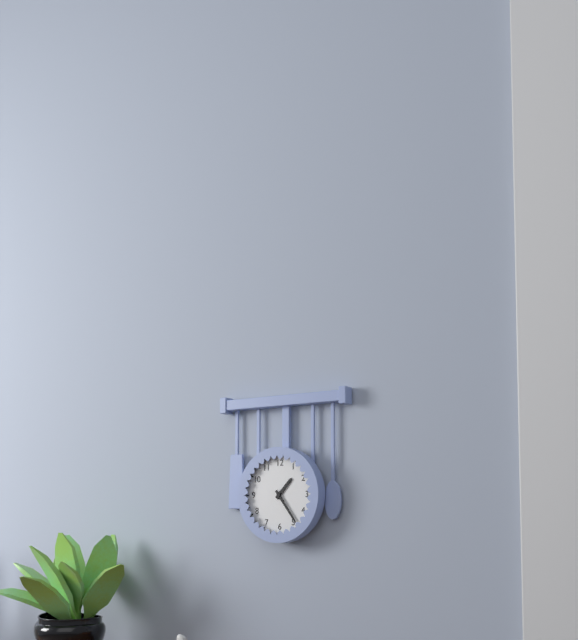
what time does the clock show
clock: 1:24
